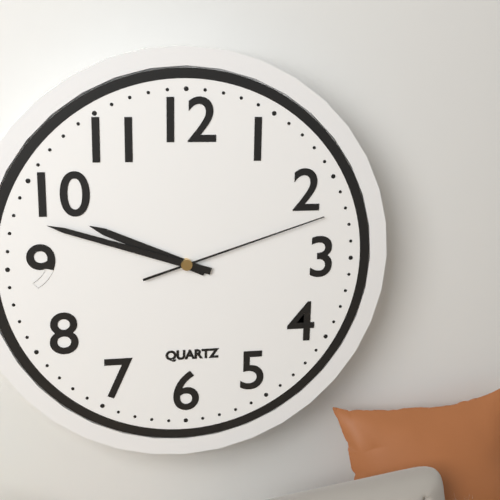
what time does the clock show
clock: 9:48:12
